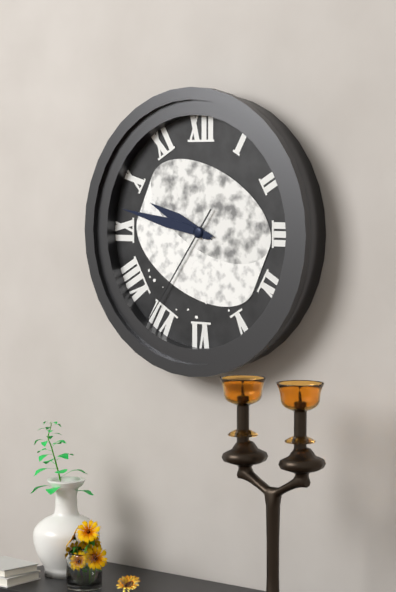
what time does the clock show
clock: 9:47:36
